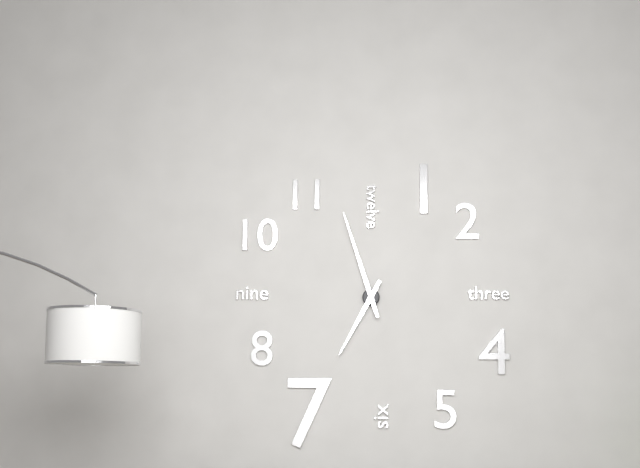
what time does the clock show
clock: 6:57
